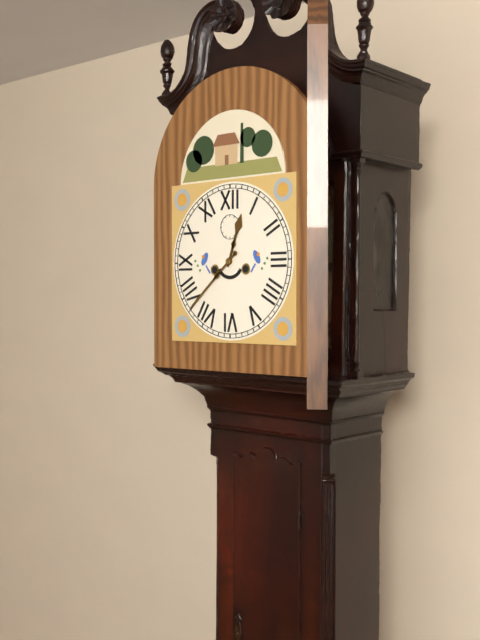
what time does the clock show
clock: 12:38
